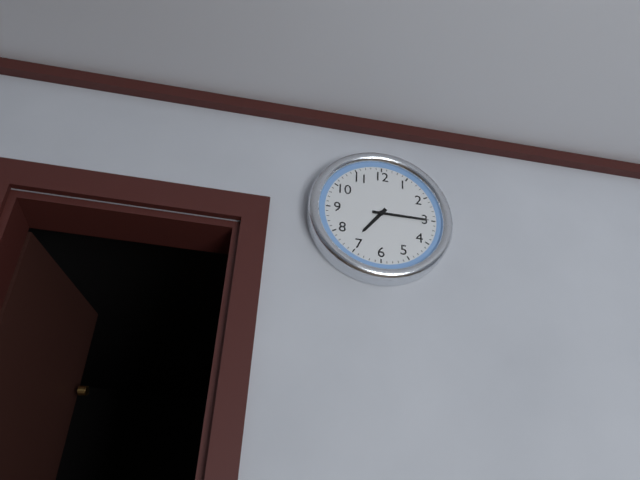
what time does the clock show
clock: 7:15
